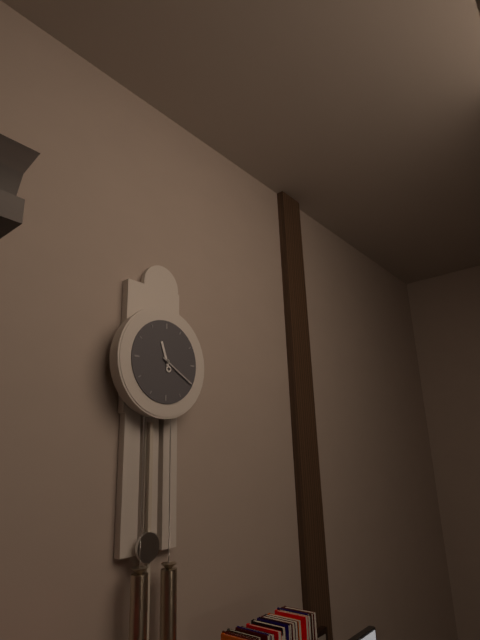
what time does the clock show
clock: 11:20
